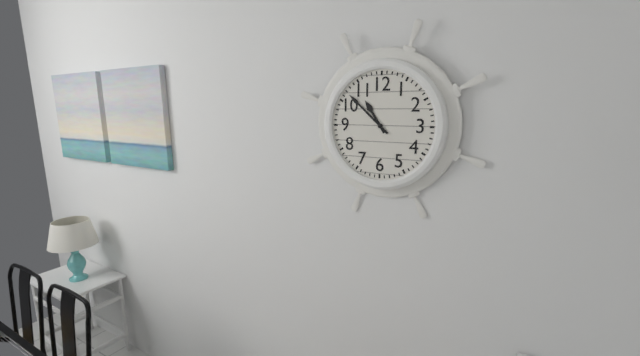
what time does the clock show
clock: 10:52
